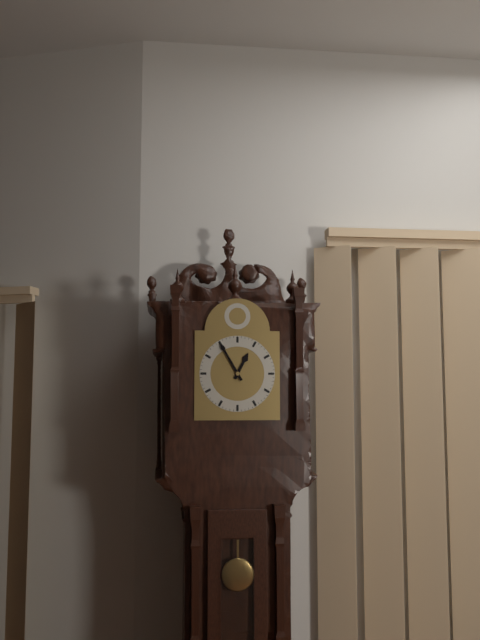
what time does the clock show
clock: 12:55
